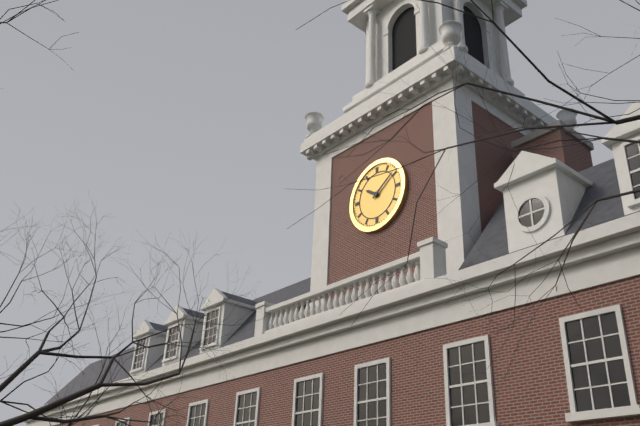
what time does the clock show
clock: 10:09
